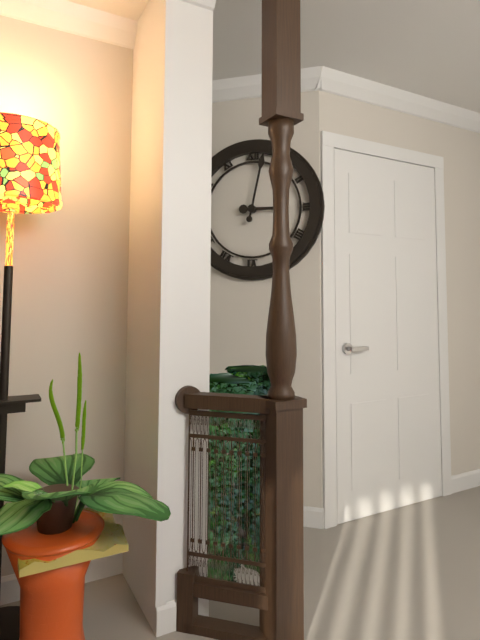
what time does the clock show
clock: 3:02
